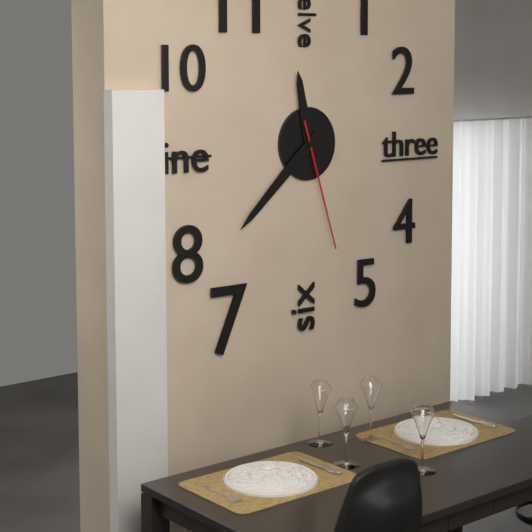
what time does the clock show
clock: 11:38:27
